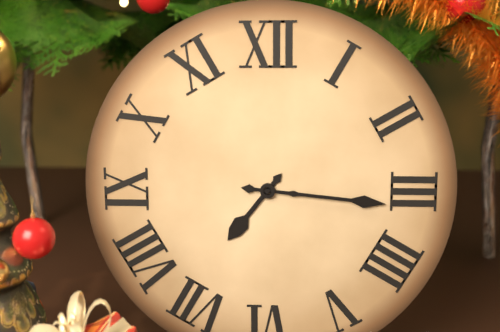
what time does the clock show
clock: 7:16
